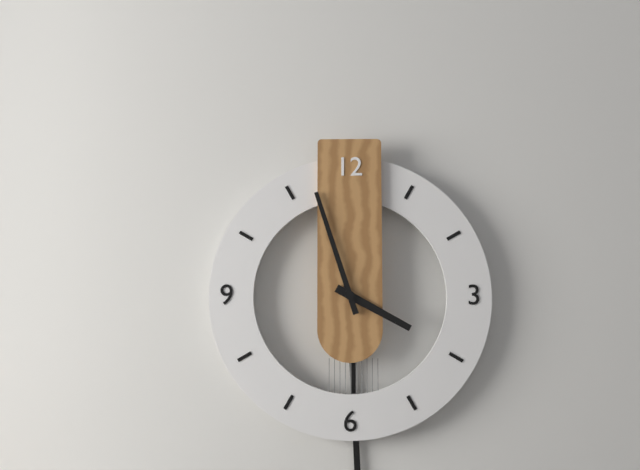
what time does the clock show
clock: 3:57
